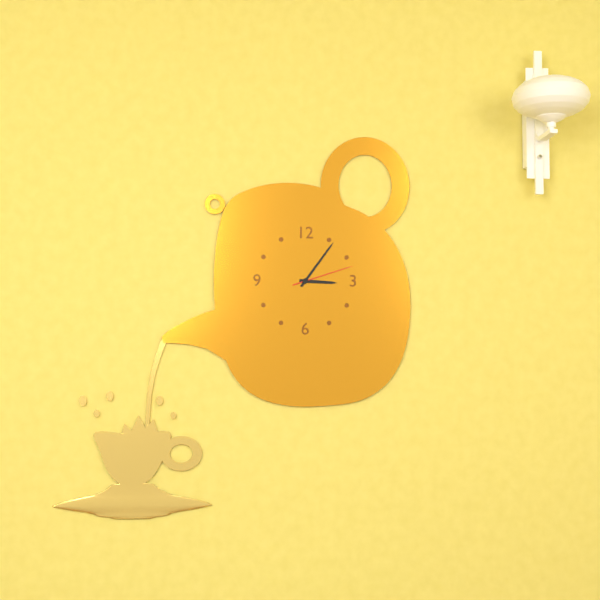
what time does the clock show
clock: 3:06:12
